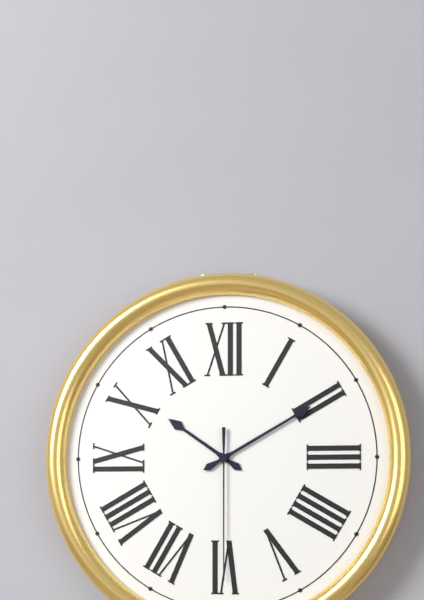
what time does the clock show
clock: 10:10:30
